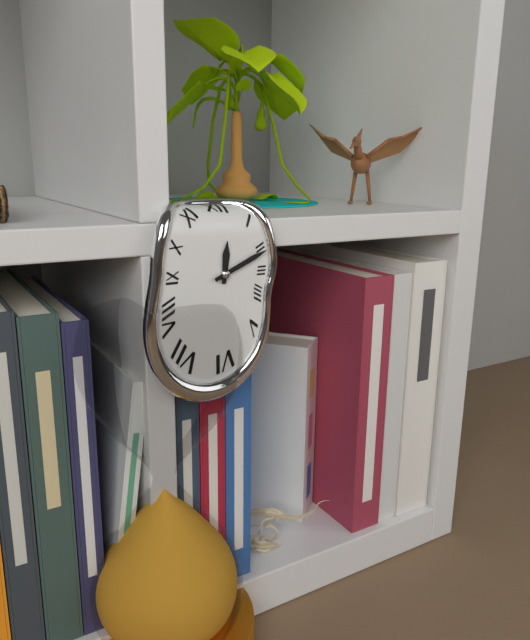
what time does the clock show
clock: 12:11
